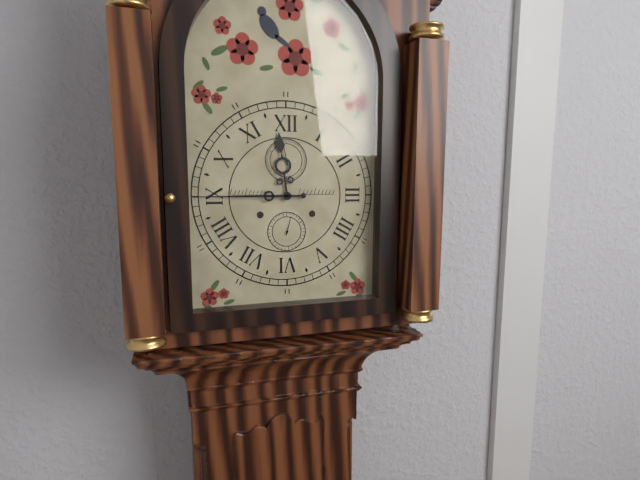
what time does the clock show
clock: 11:45
